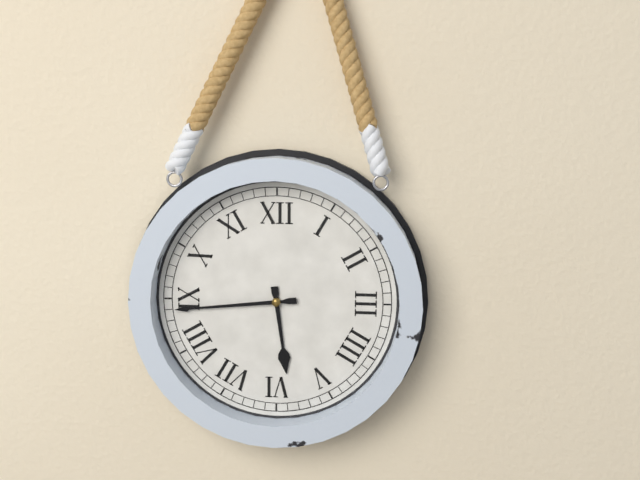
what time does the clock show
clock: 5:44
